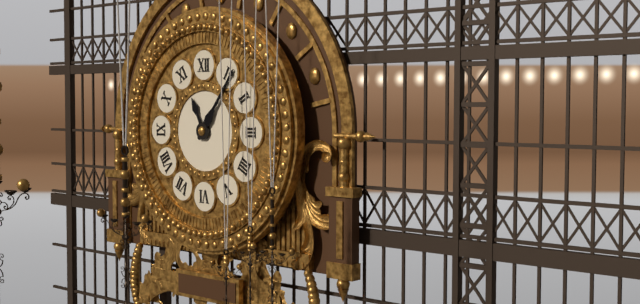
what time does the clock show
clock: 11:06
